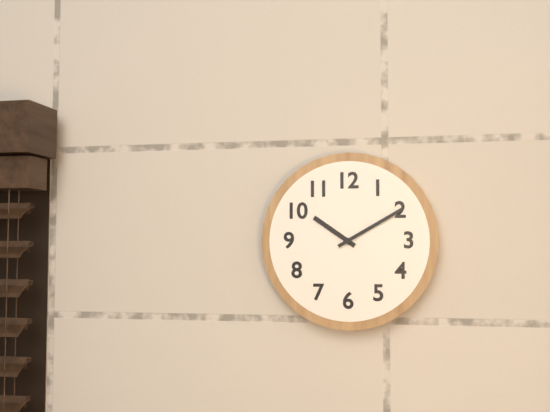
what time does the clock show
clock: 10:10
